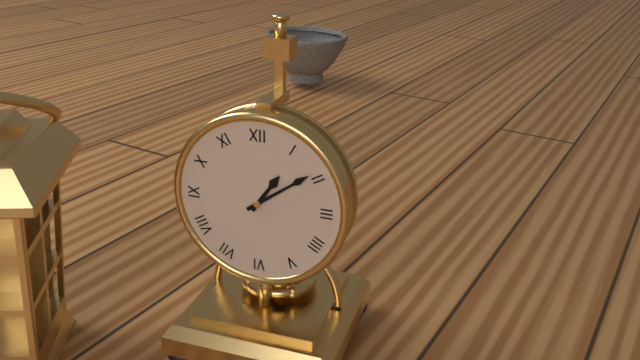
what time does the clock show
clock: 1:09
